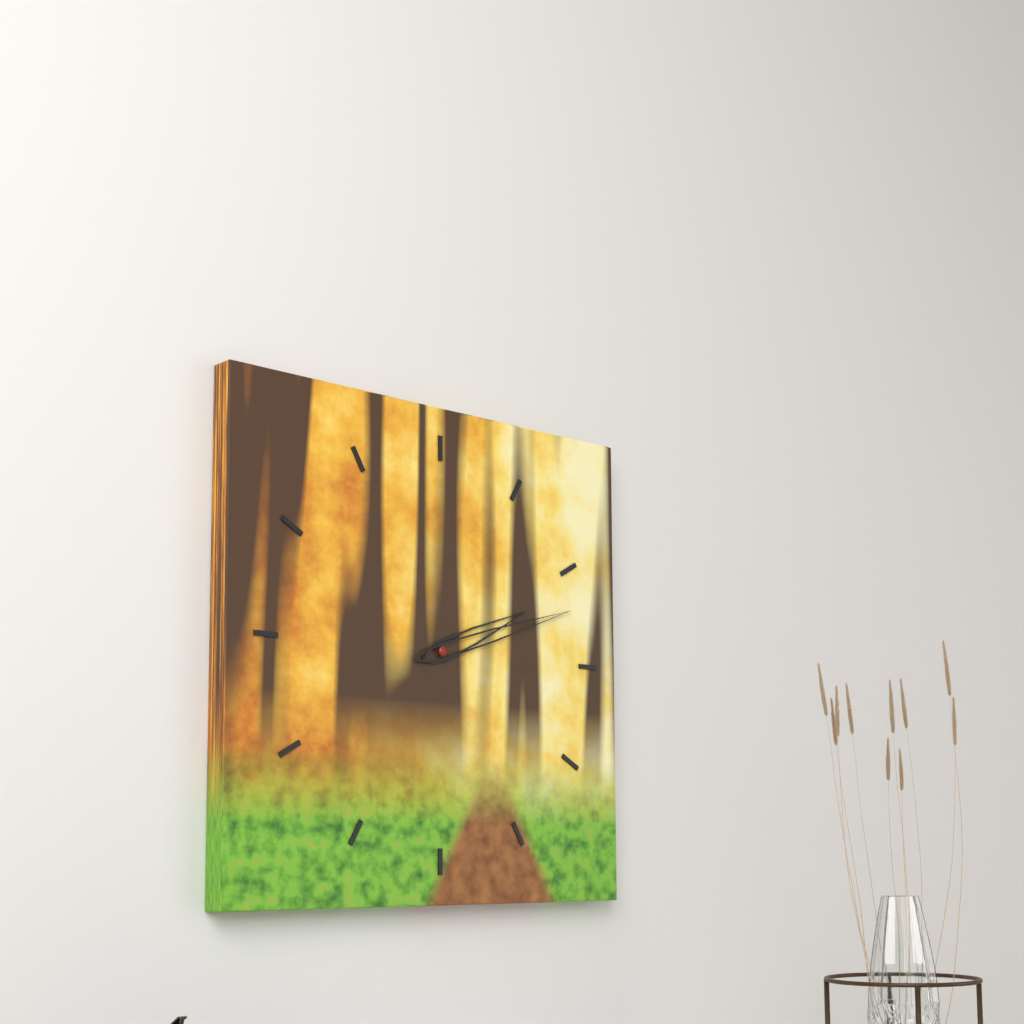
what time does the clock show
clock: 2:12
